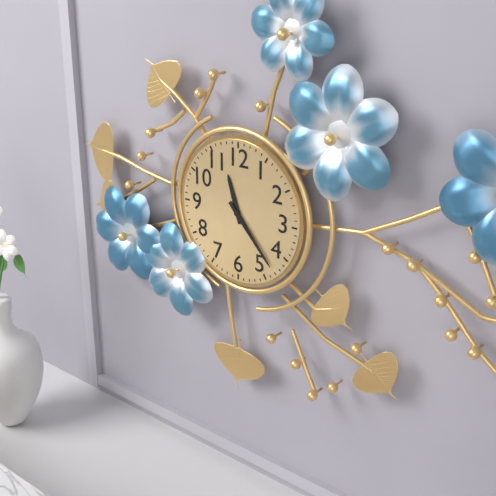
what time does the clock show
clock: 11:23
